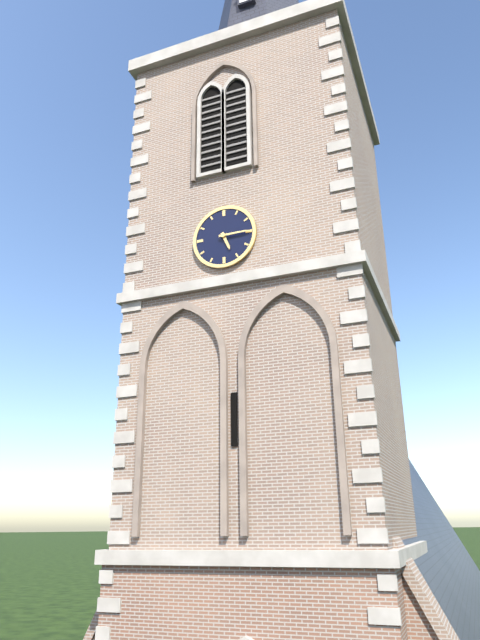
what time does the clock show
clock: 5:15
